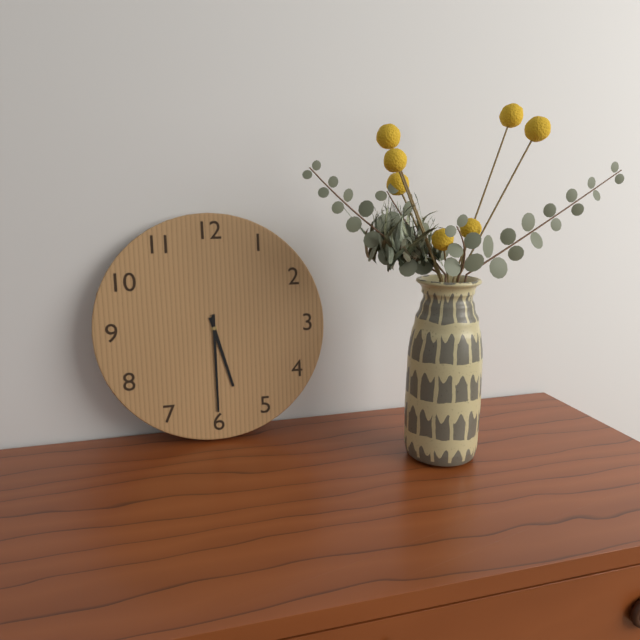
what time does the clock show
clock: 5:30
